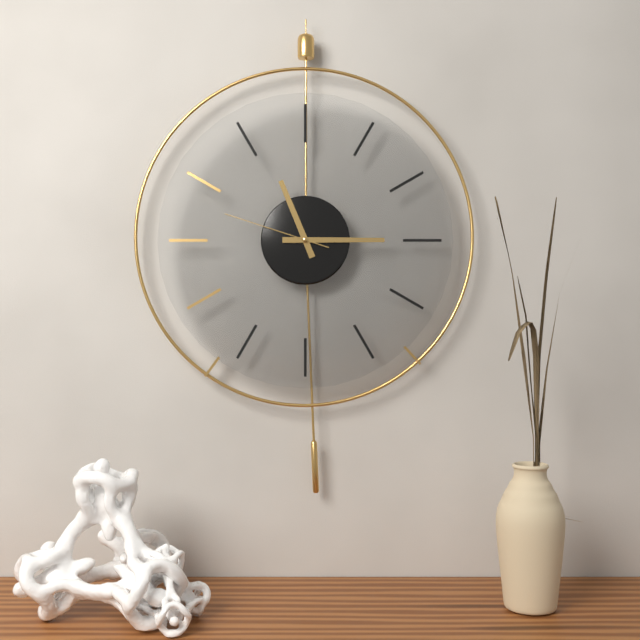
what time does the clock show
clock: 11:15:48
